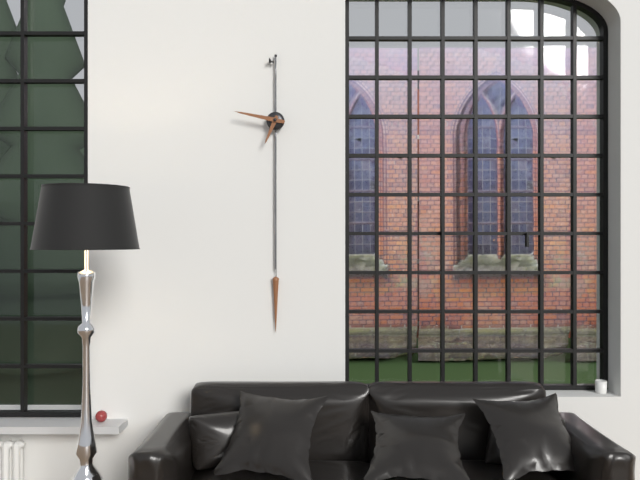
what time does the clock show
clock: 6:47
